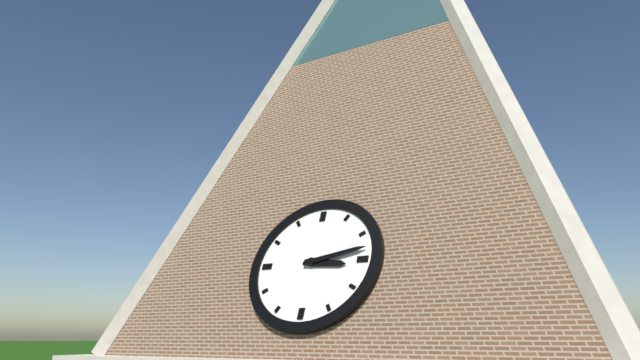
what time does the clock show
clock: 3:13
